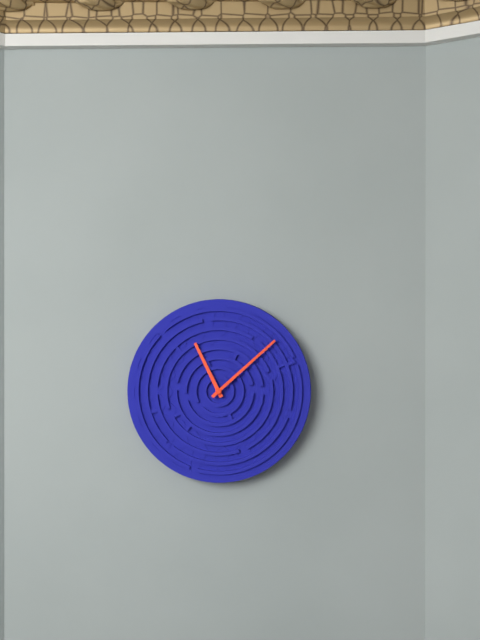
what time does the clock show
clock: 11:08
